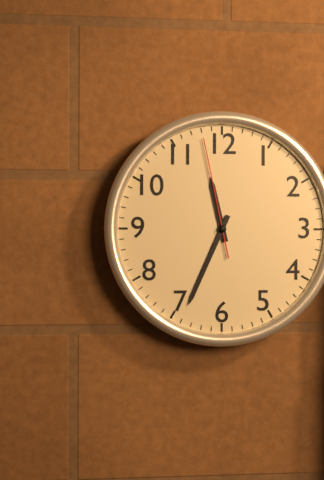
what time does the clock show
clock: 11:34:58
